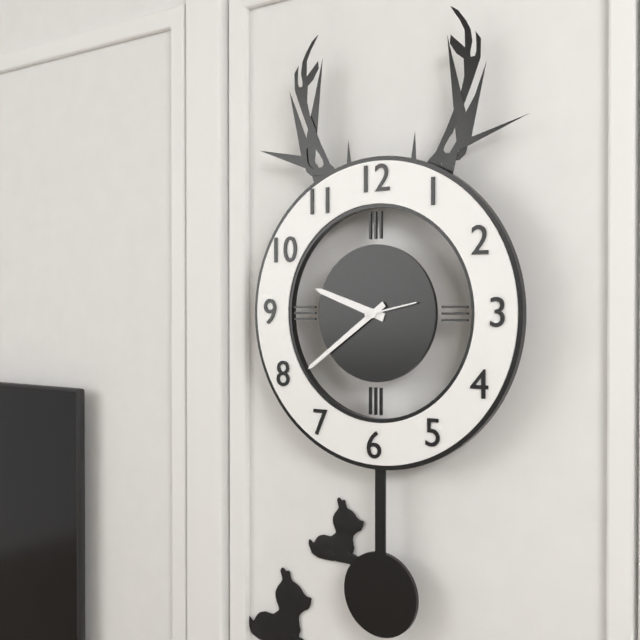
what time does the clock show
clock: 9:39:13
